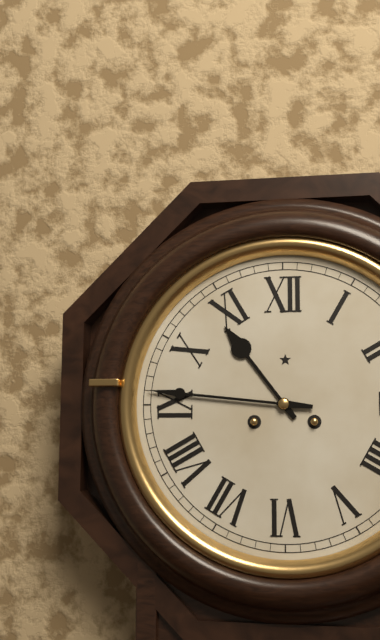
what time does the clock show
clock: 10:46
